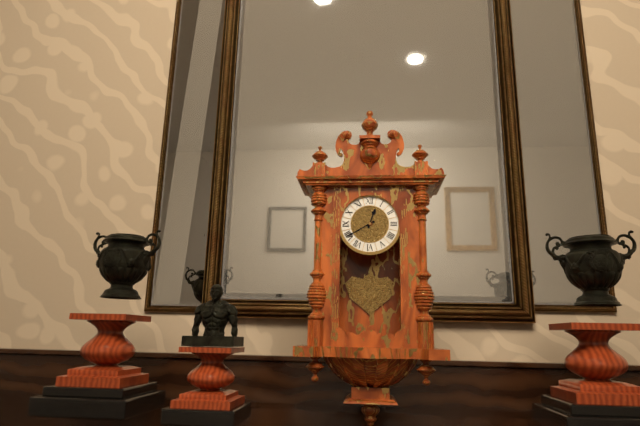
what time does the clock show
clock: 12:40
